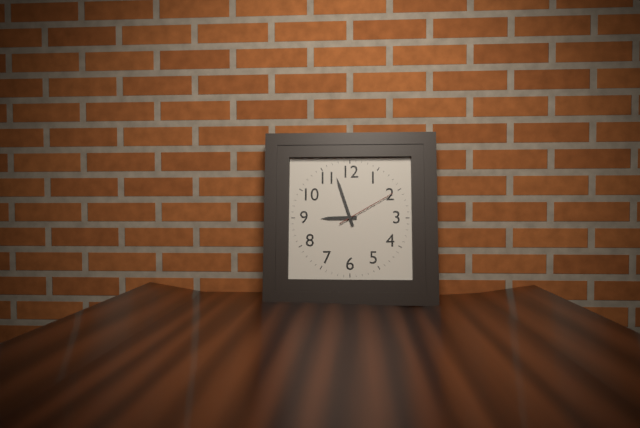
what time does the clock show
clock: 8:57:10
